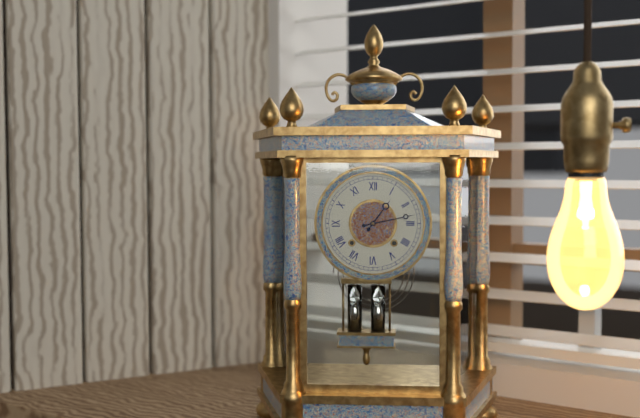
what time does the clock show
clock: 1:13
